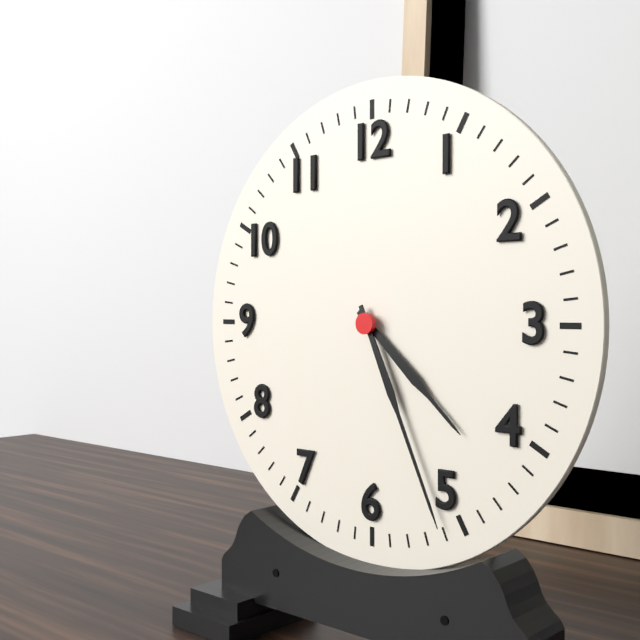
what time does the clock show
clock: 4:26
